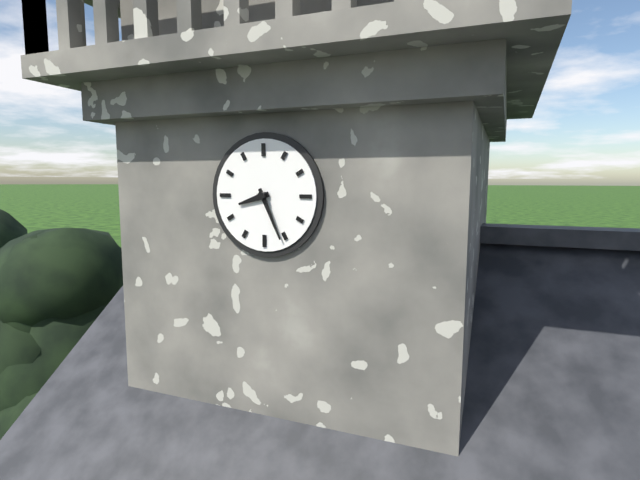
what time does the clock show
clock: 8:26
